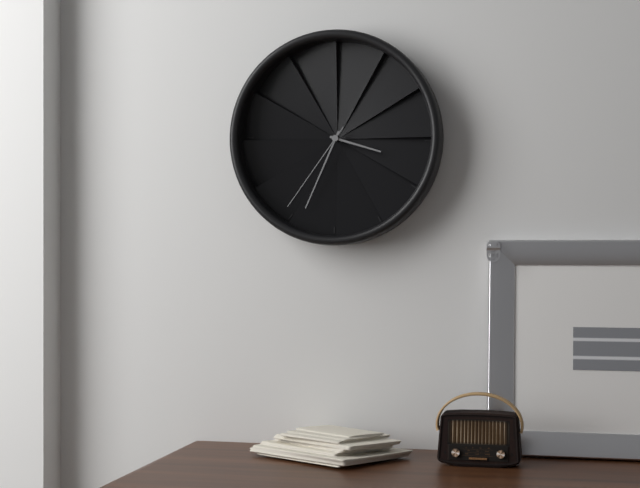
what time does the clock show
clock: 3:34:36
